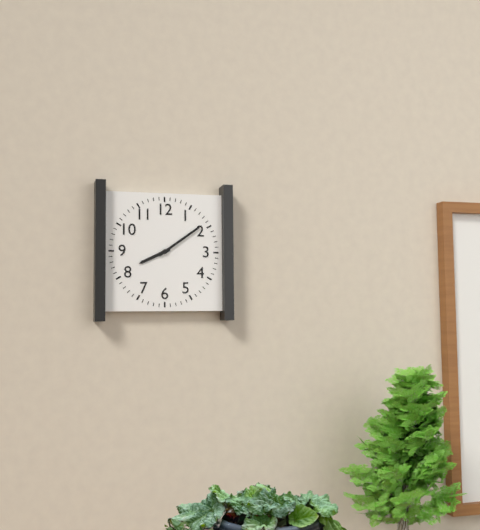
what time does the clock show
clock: 8:09
